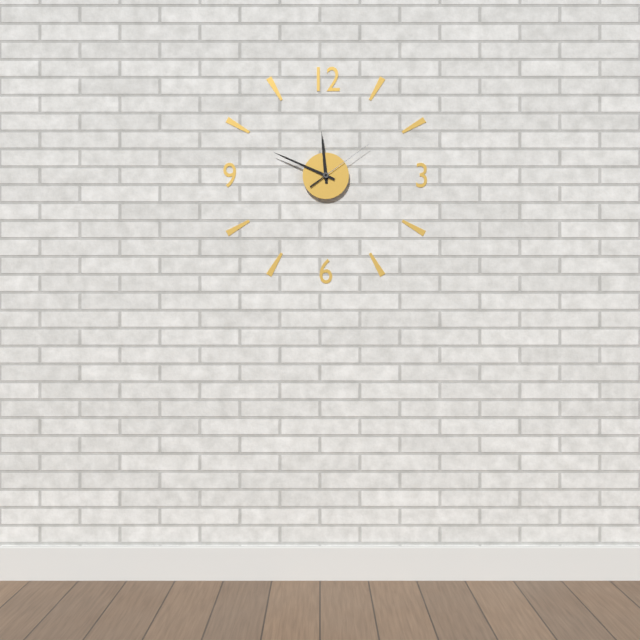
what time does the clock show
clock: 11:49:09
